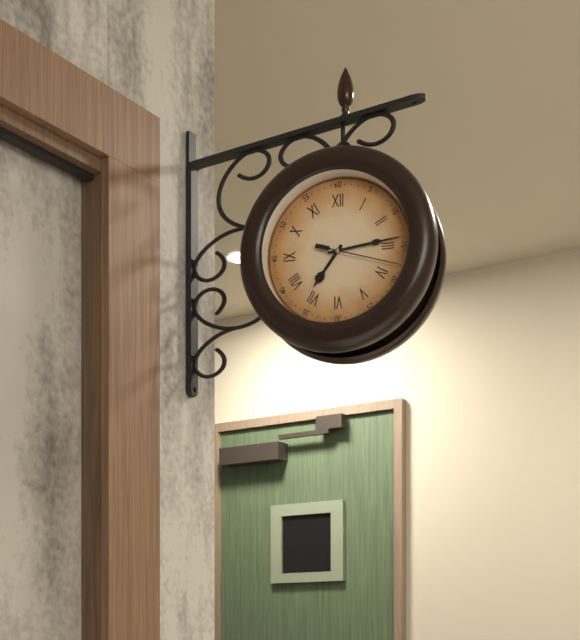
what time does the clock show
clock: 7:14:18
